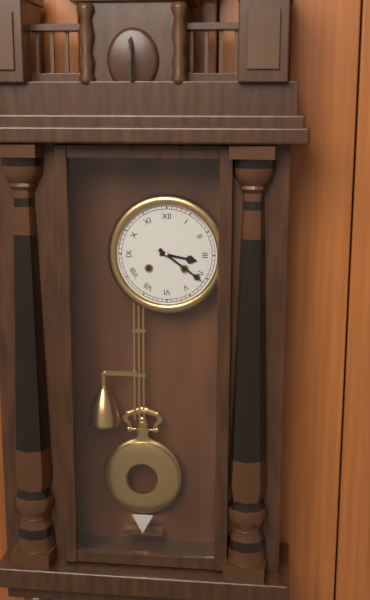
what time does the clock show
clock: 3:21
